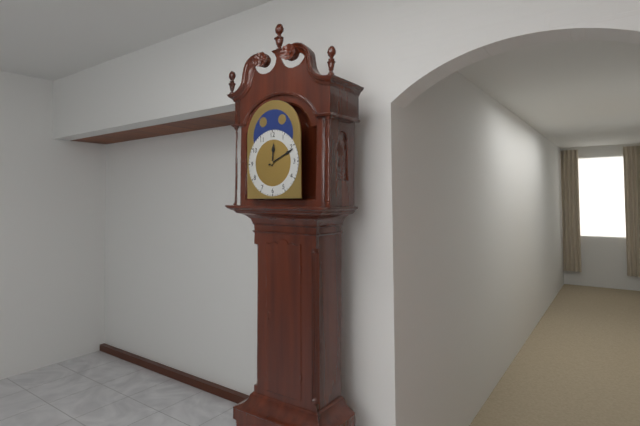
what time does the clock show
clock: 12:11
